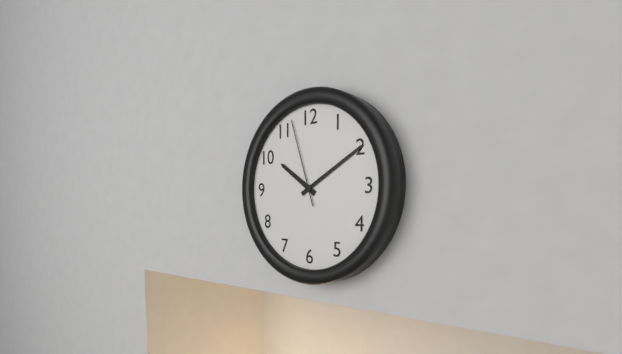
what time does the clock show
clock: 10:10:57
